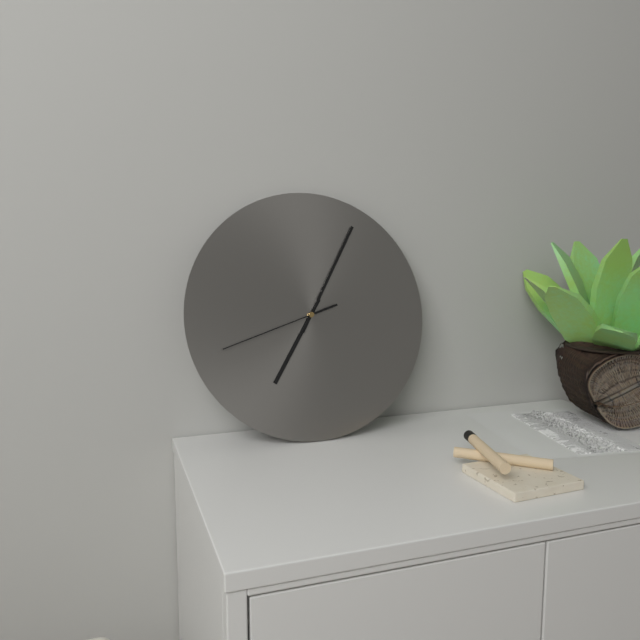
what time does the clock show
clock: 7:05:42
